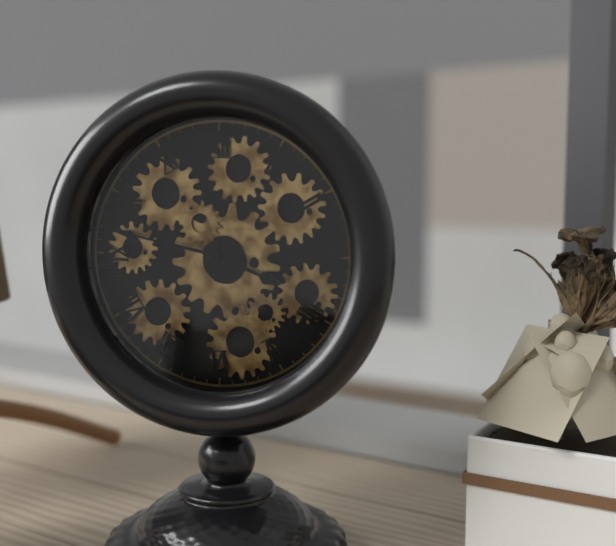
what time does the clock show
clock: 3:47
